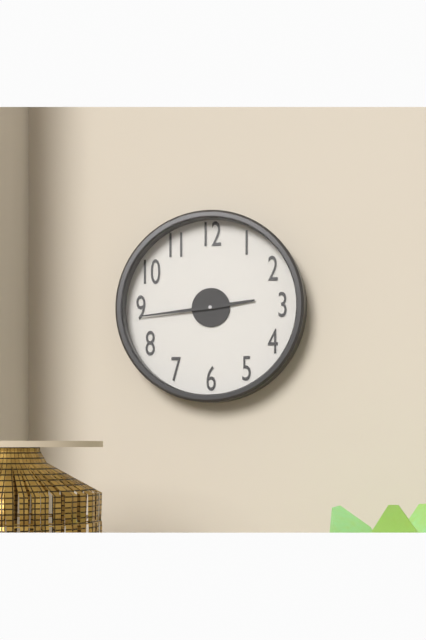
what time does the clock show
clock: 2:44
